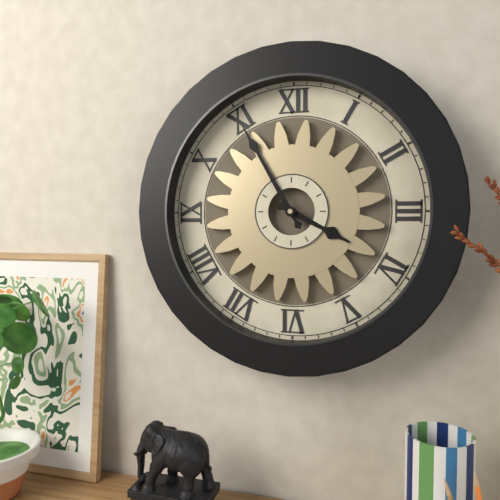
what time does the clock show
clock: 3:55
